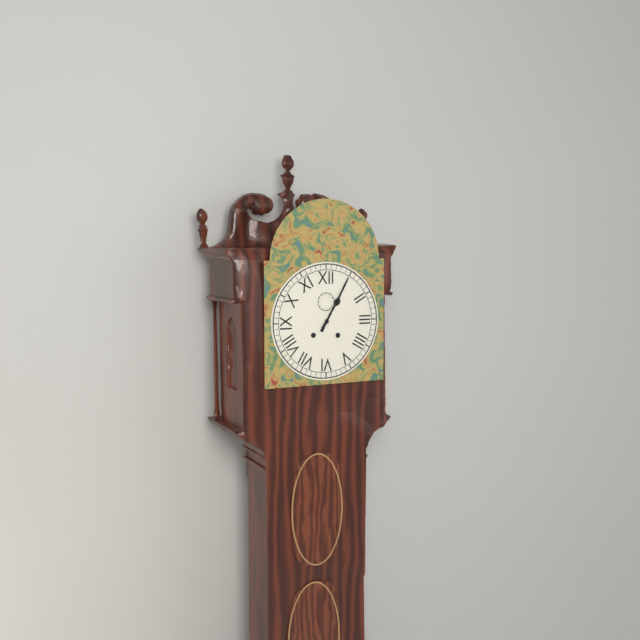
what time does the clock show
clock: 1:05
